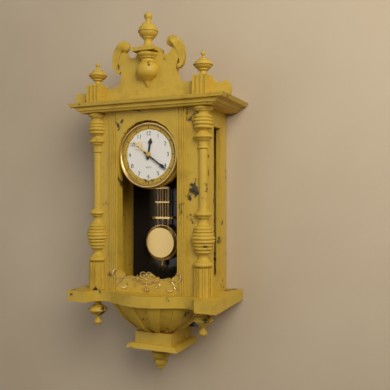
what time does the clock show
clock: 12:21
